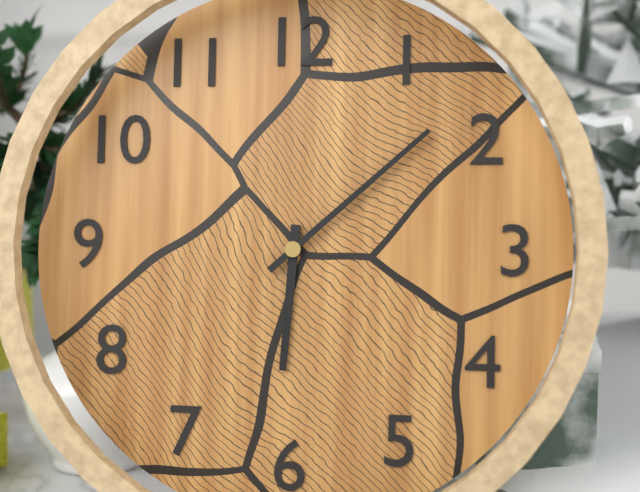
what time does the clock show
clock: 6:08
